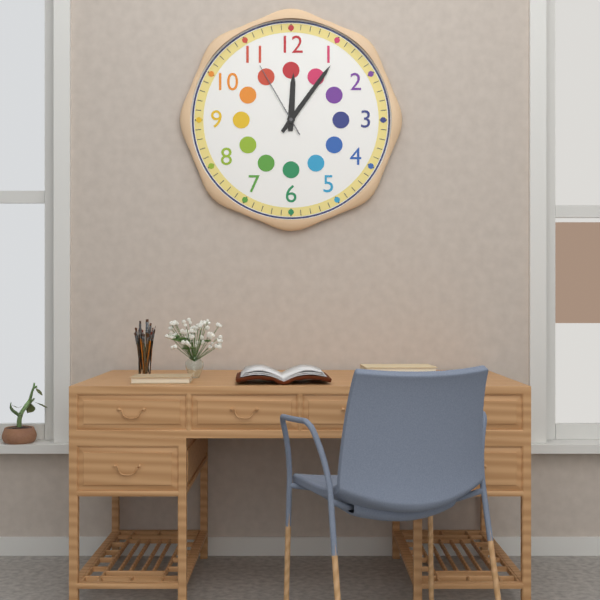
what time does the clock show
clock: 12:06:55
